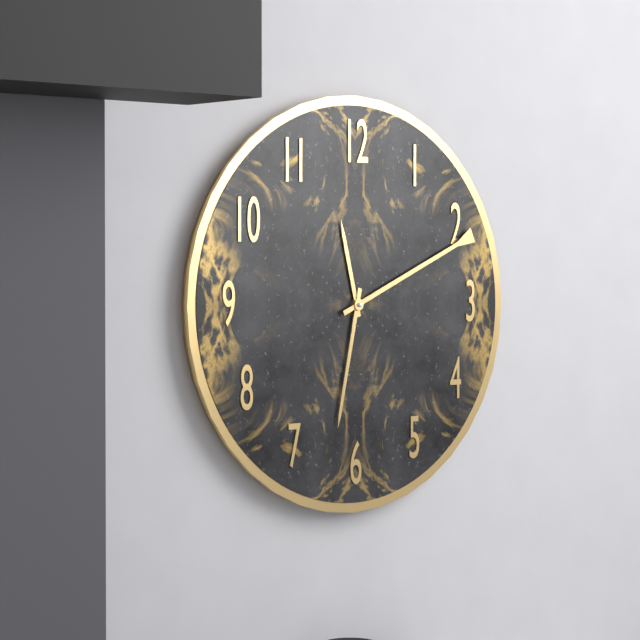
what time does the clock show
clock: 11:32:11
